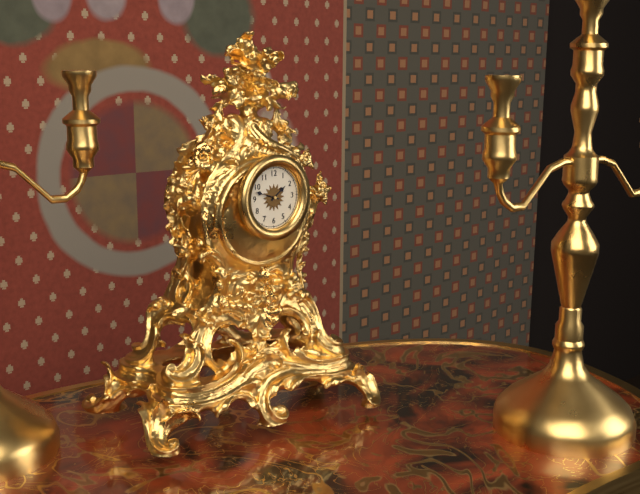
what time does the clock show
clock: 1:48
